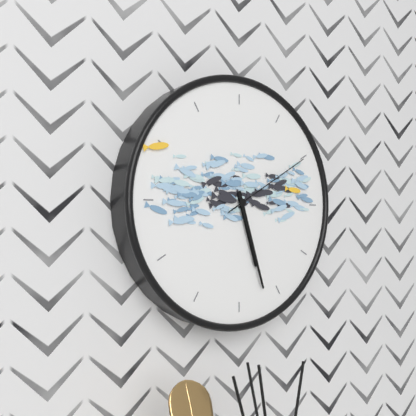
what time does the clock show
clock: 5:27:10
